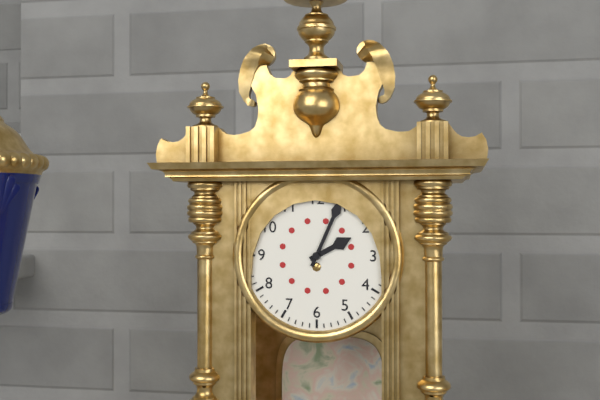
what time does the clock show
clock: 2:04
